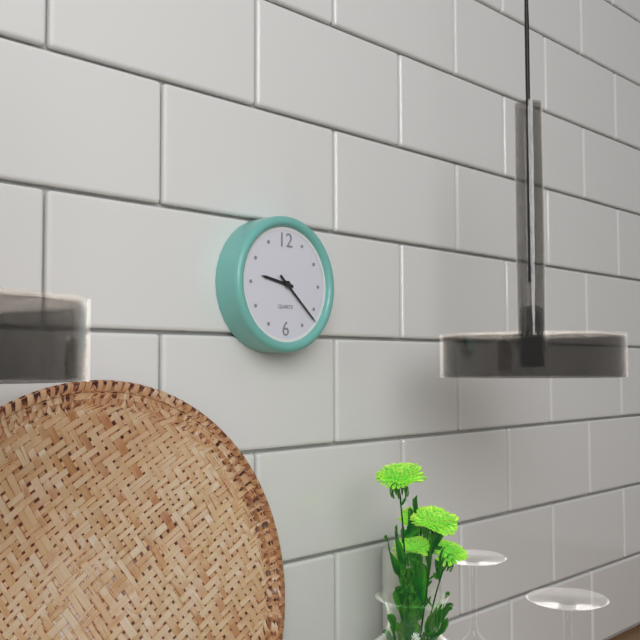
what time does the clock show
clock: 9:22
